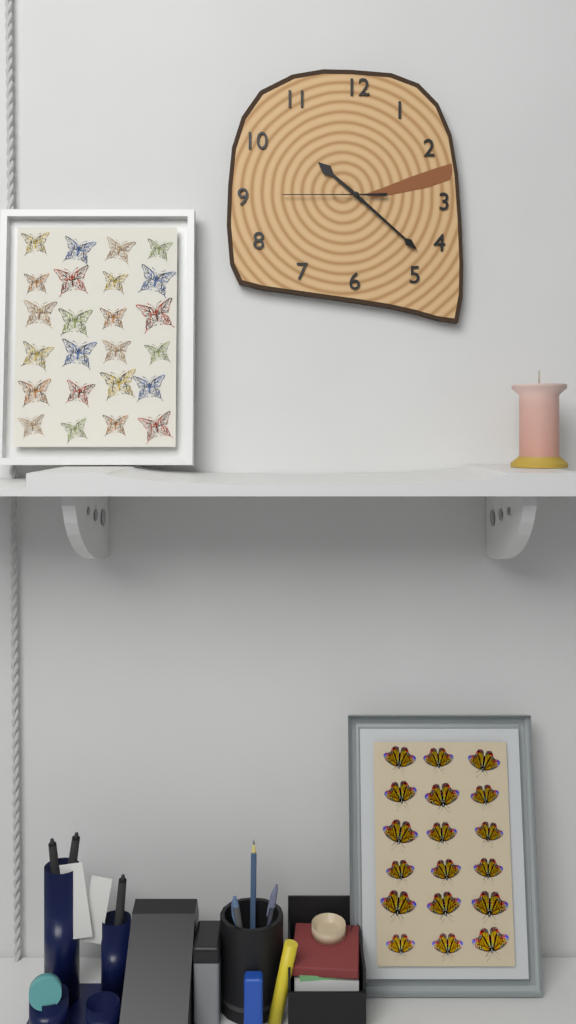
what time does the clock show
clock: 10:22:45
